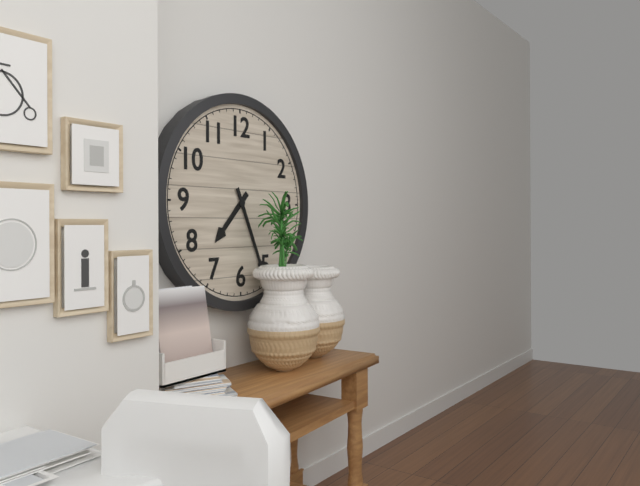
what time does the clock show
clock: 7:26
